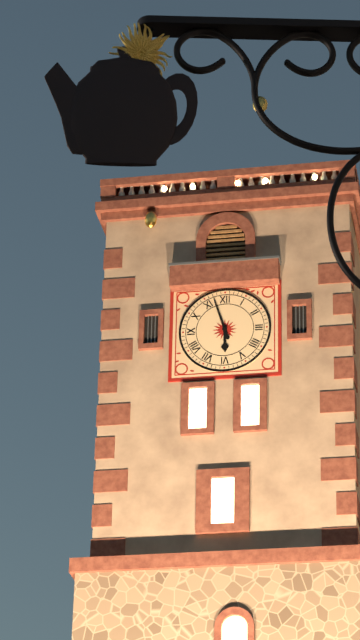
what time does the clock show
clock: 5:57
